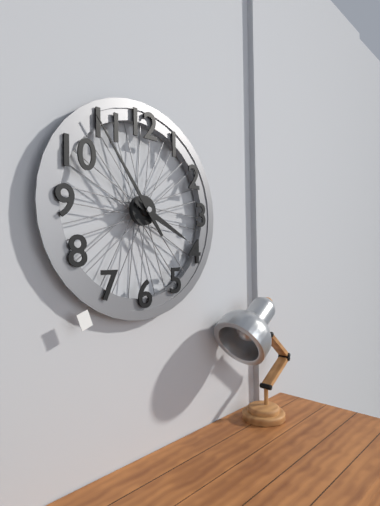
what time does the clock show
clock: 3:54
